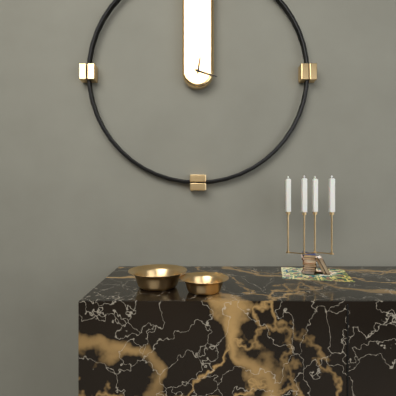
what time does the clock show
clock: 12:18
